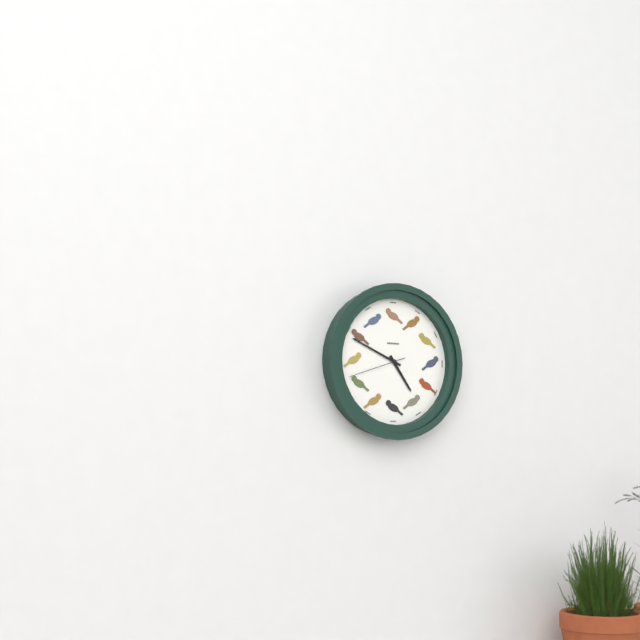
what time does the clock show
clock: 4:49:42
